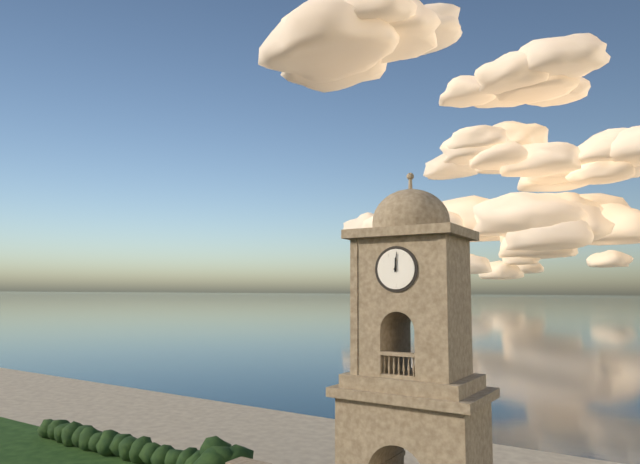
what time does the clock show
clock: 12:01
